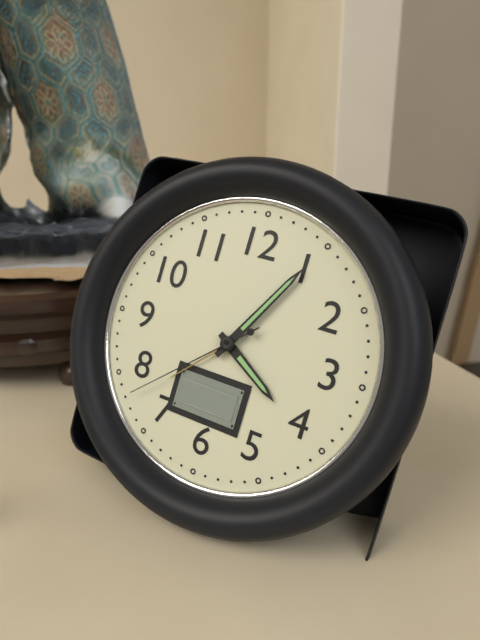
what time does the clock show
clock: 4:05:38
